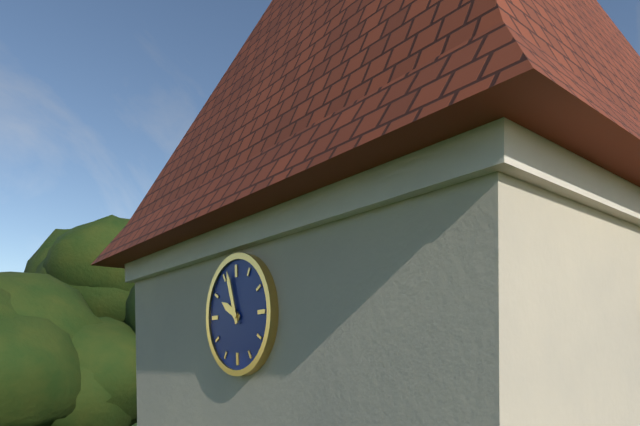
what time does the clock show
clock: 9:57
